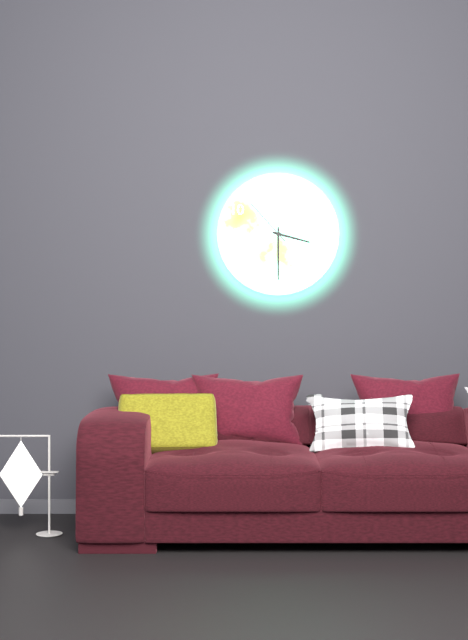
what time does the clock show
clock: 3:30:53
